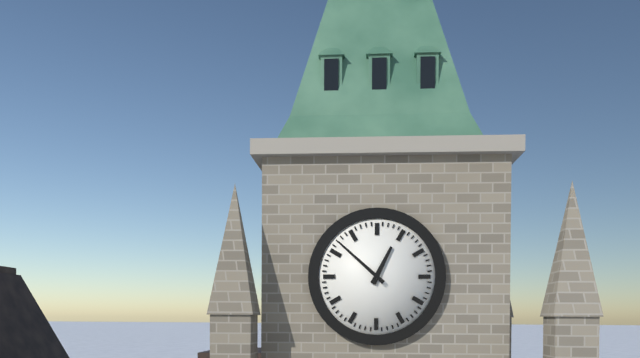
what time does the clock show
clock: 12:52
